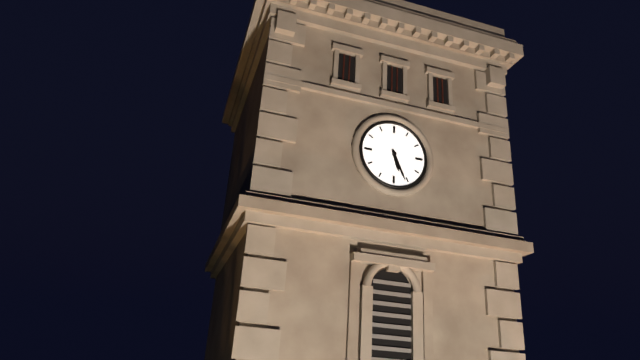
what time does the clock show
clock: 5:26
